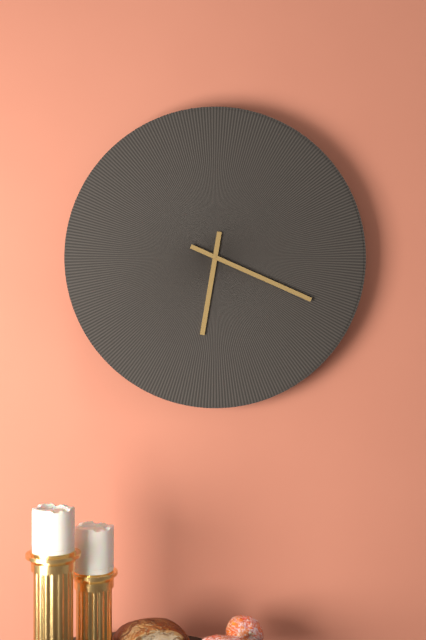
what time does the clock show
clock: 6:19
